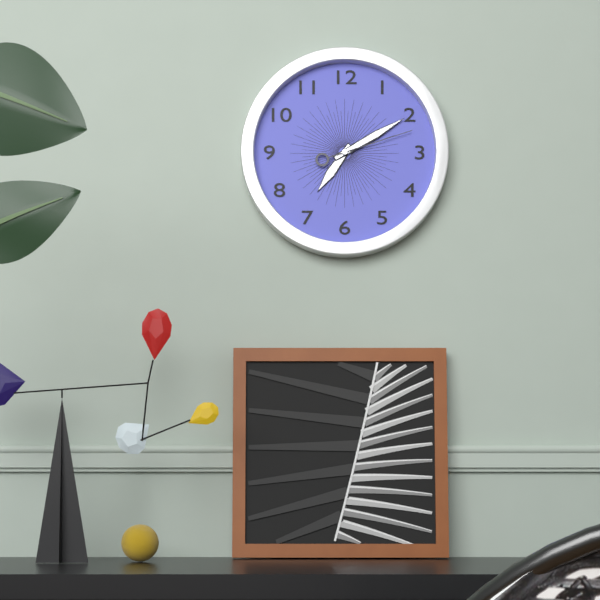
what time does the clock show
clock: 7:10:12
